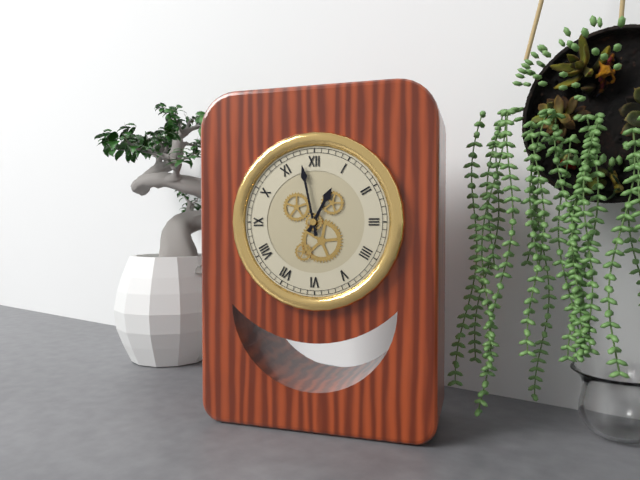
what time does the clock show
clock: 12:58
